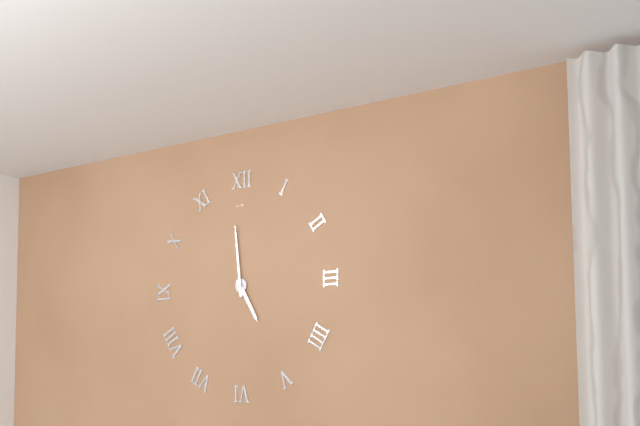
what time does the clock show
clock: 4:59
